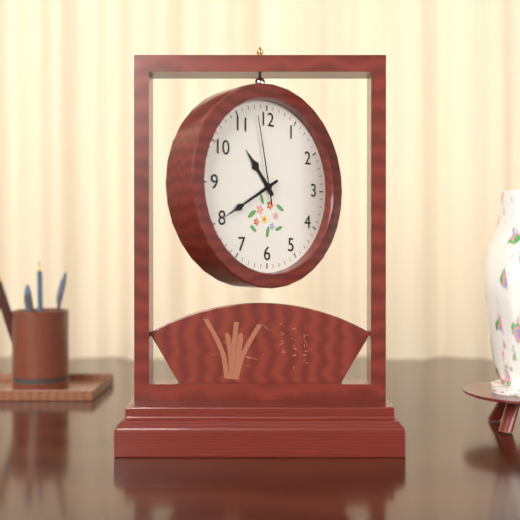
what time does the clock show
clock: 10:40:58
